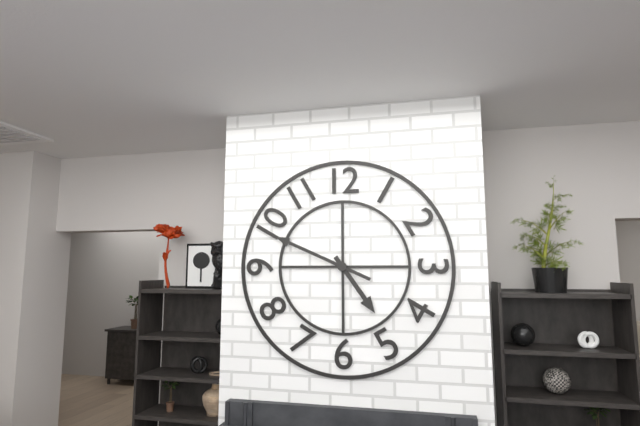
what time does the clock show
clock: 4:49
